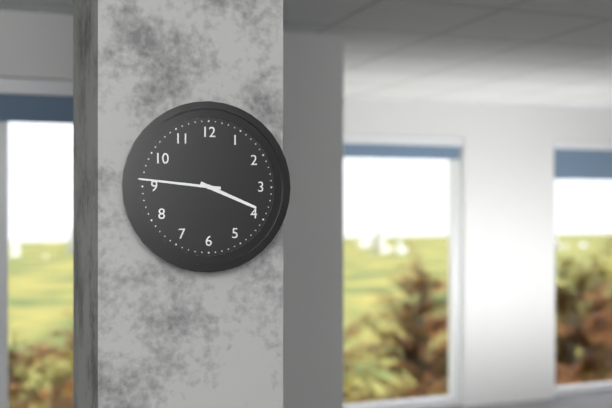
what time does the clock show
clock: 3:46
